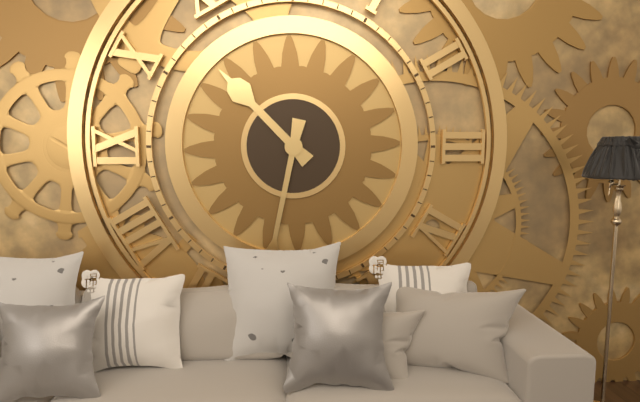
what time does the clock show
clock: 10:32
